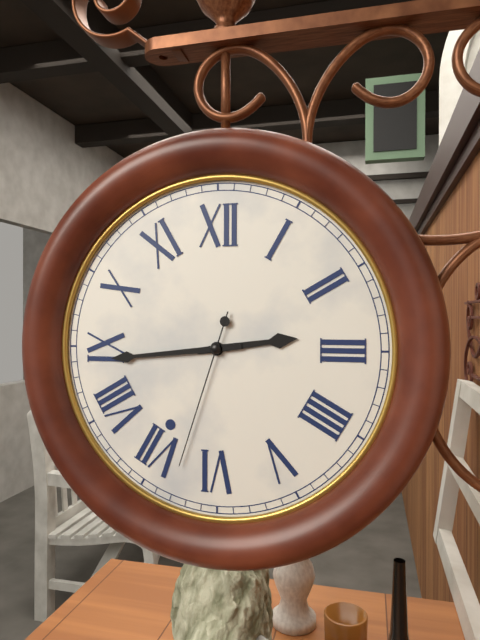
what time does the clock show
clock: 2:44:33
